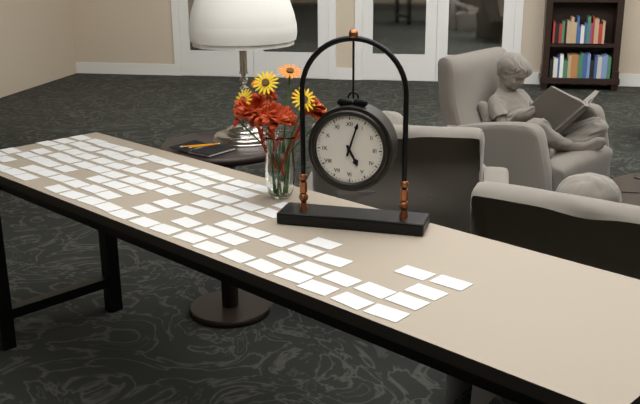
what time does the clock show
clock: 5:03
